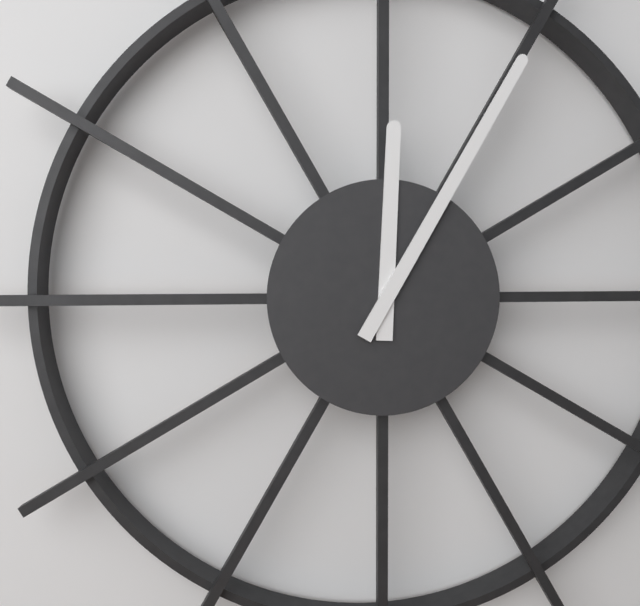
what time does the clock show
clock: 12:05
